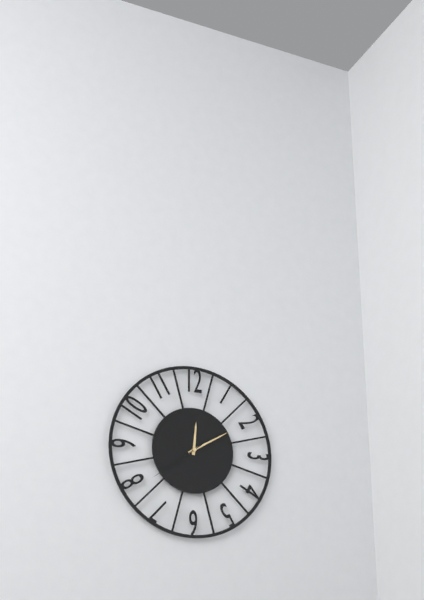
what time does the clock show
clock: 12:10:39
